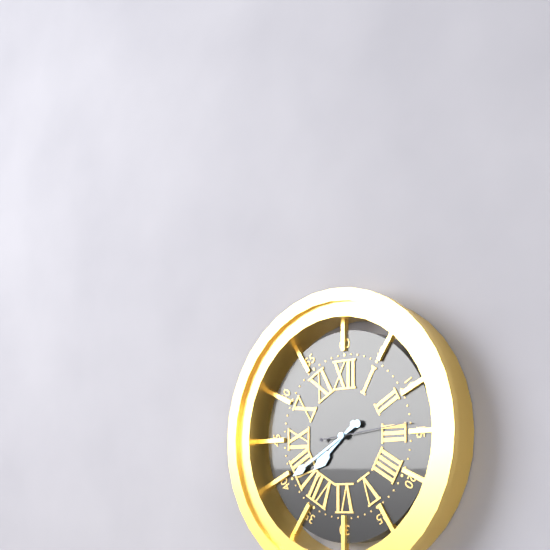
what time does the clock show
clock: 7:40:14
